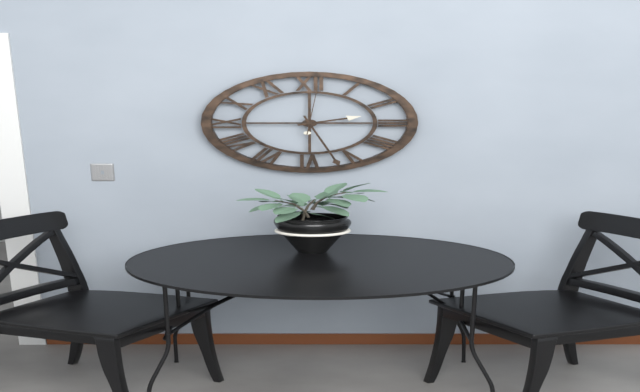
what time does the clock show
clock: 2:27
